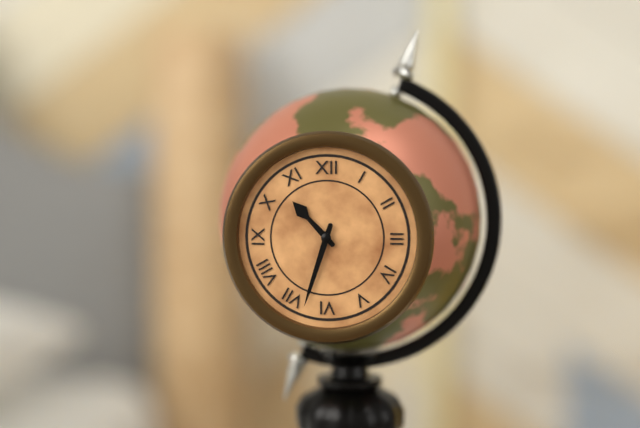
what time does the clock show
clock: 10:33
